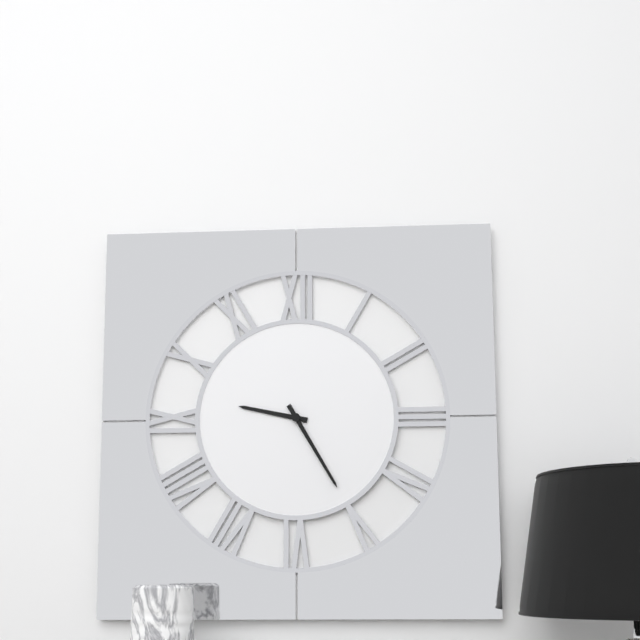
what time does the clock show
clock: 9:25
